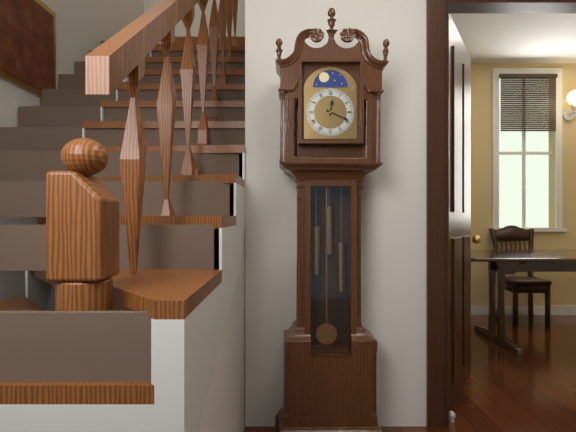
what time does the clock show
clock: 12:19
